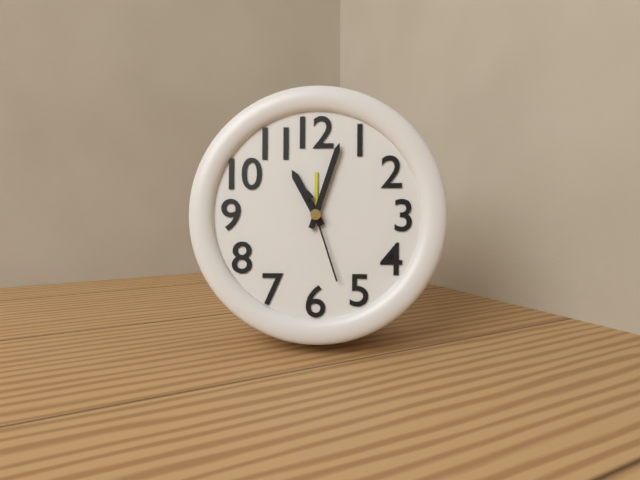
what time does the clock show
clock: 11:03:27
